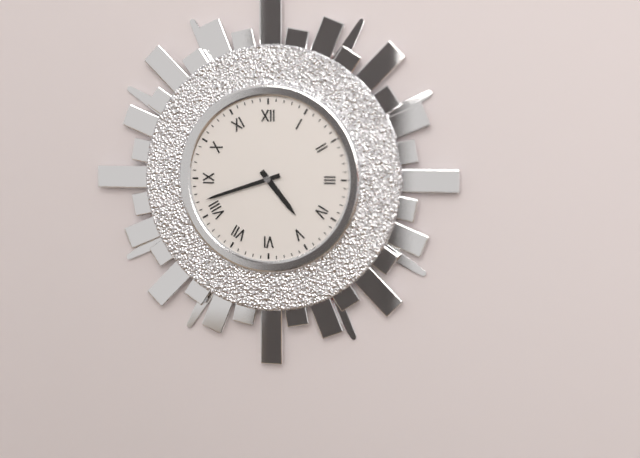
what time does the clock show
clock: 4:42
